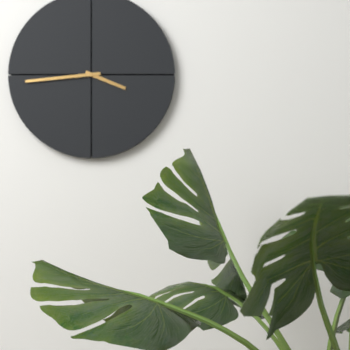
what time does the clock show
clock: 3:44
